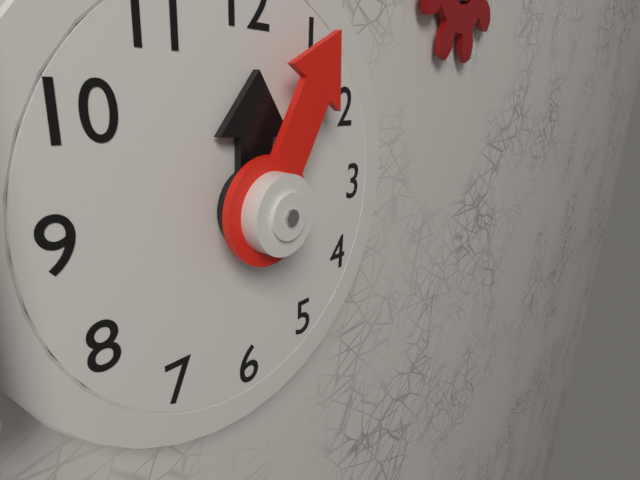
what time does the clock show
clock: 12:05
